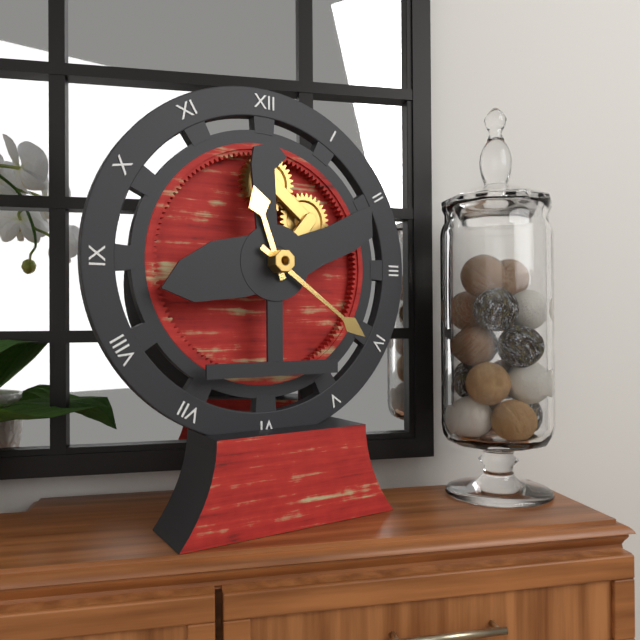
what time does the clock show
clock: 11:21
